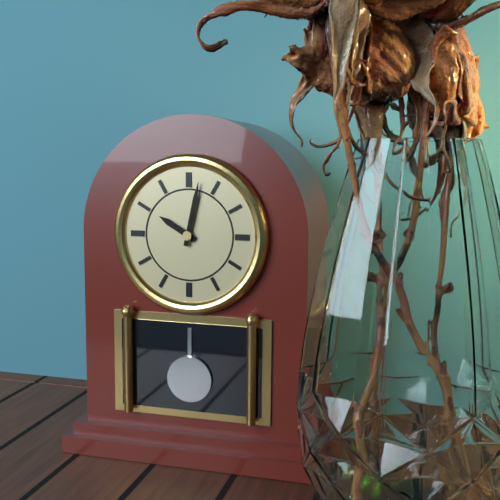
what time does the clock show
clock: 10:02
